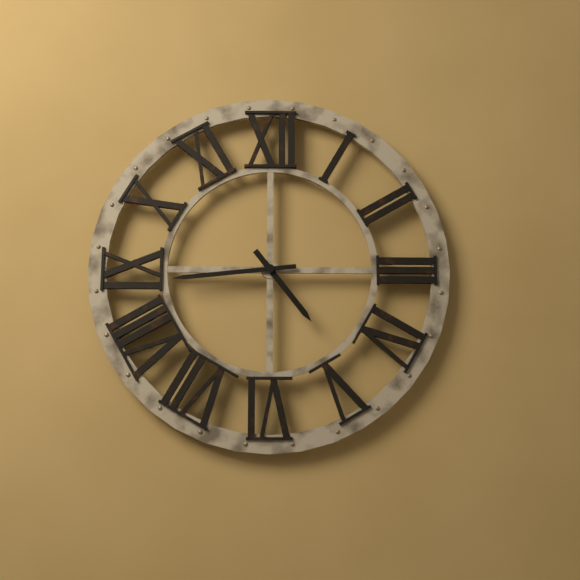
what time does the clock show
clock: 4:44
